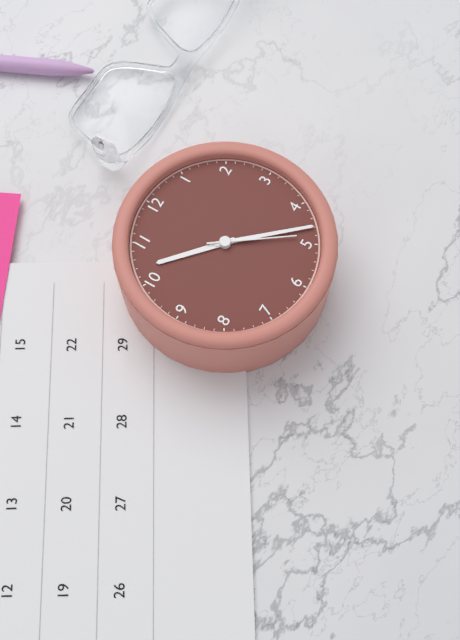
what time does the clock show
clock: 10:23:24
